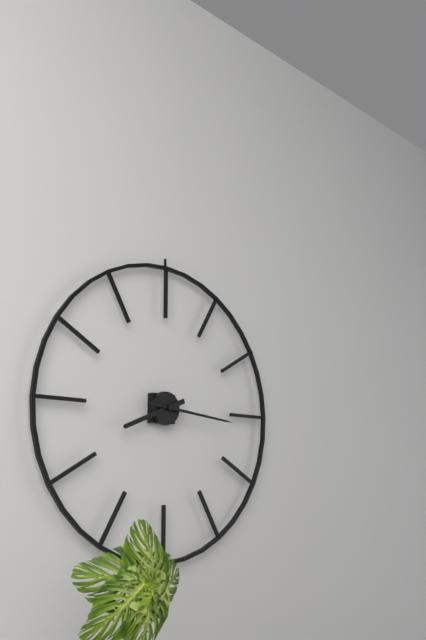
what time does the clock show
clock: 8:16
